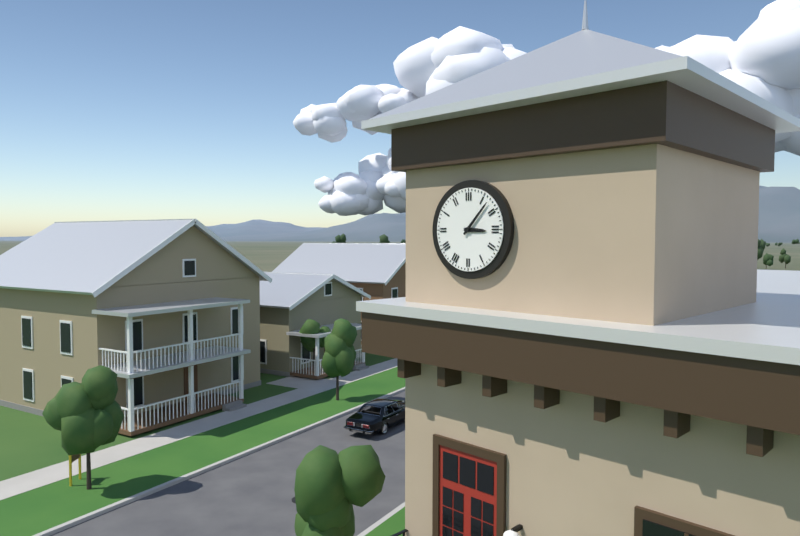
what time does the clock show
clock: 3:07
